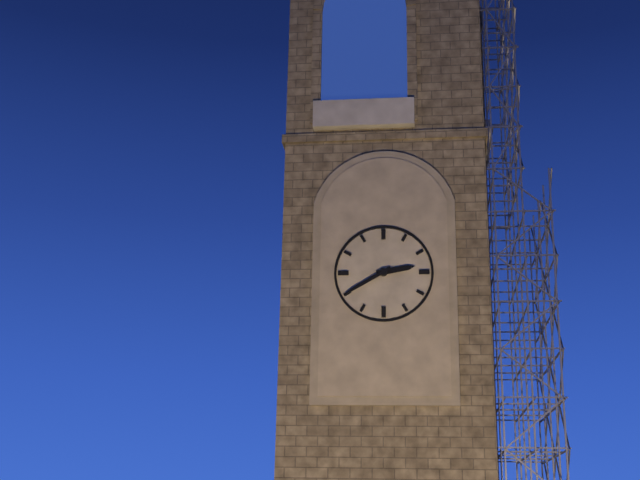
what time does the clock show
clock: 2:40
